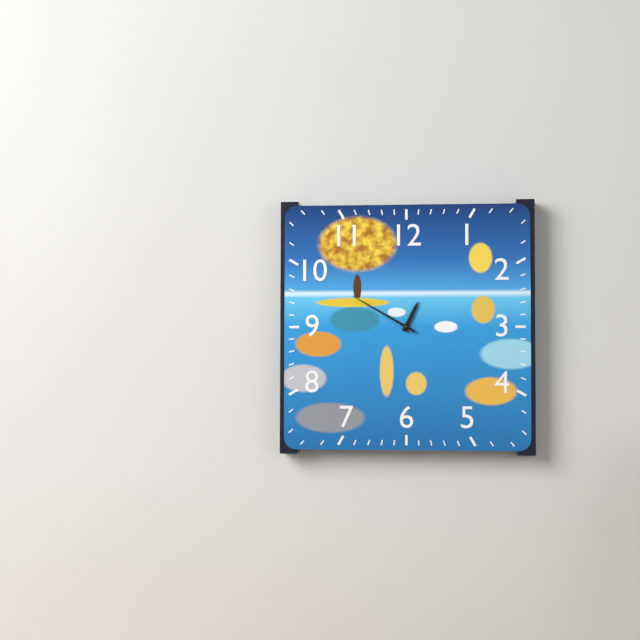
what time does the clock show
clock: 12:50
